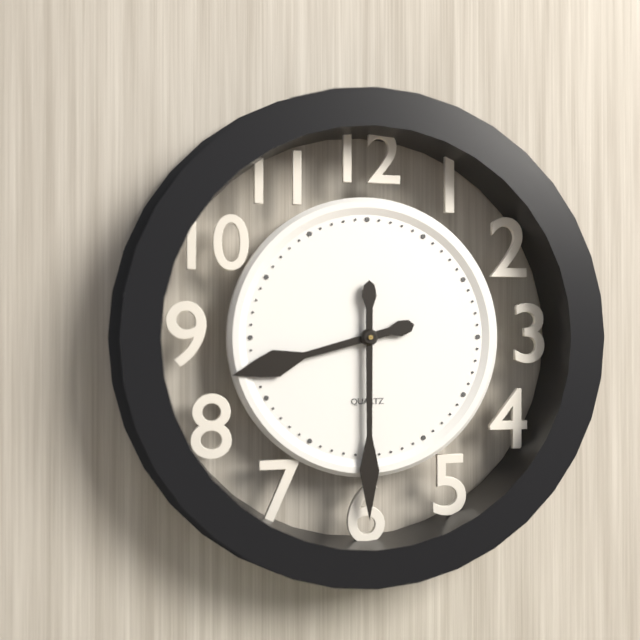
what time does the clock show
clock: 8:30
